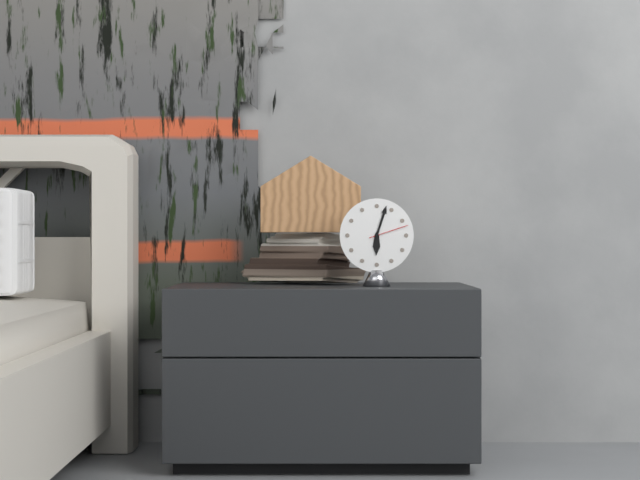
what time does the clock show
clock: 6:03
